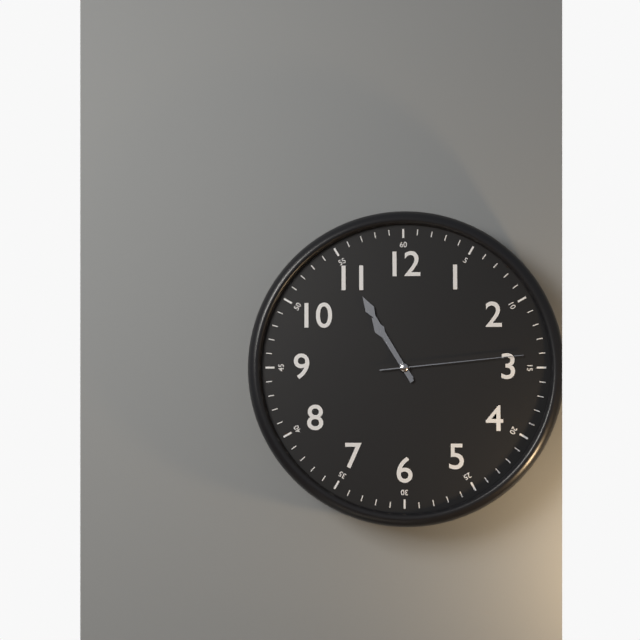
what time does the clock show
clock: 10:55:14
